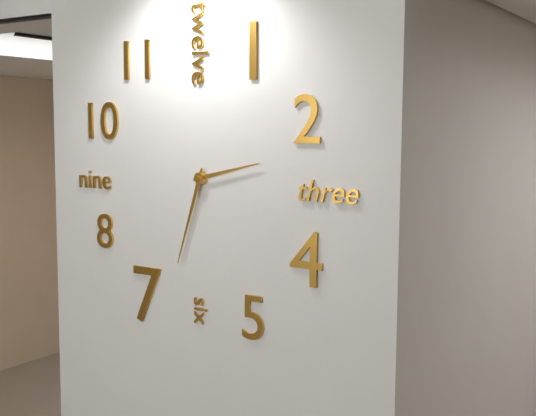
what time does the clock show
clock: 2:33
